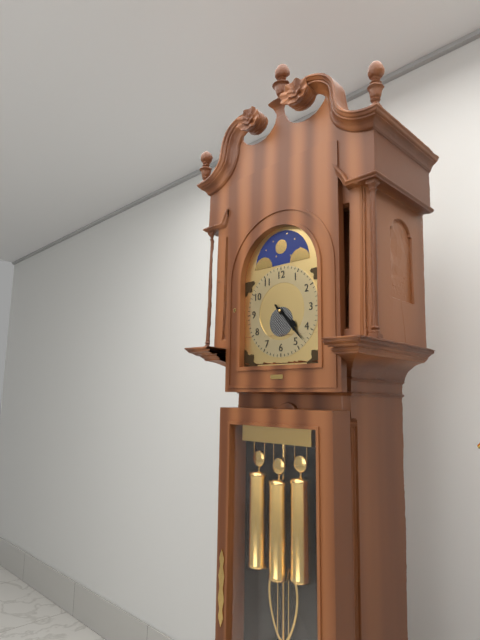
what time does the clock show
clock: 4:23
